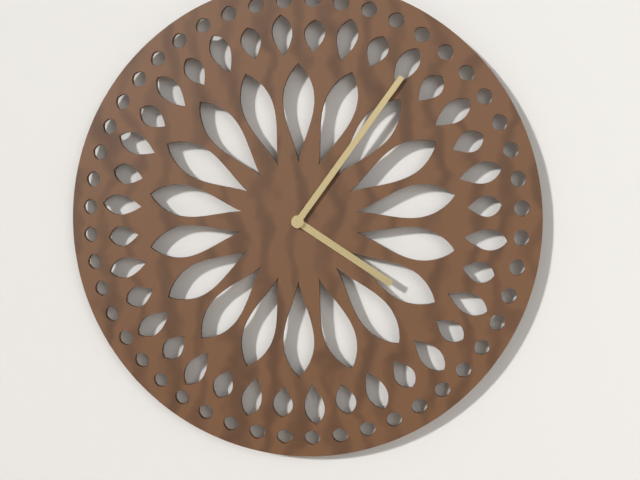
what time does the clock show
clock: 4:06
